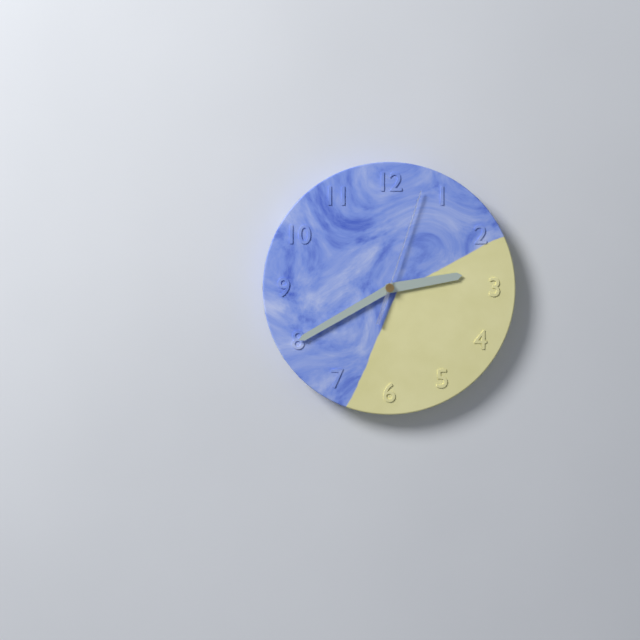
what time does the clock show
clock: 2:40:03
